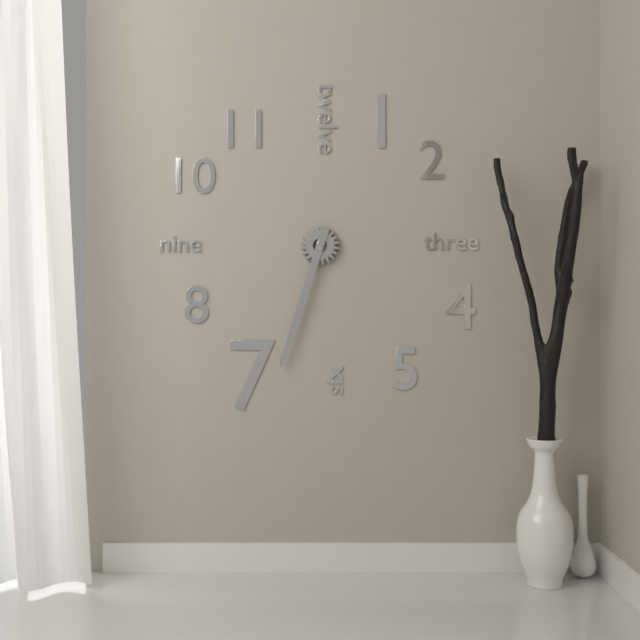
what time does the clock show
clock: 6:33
